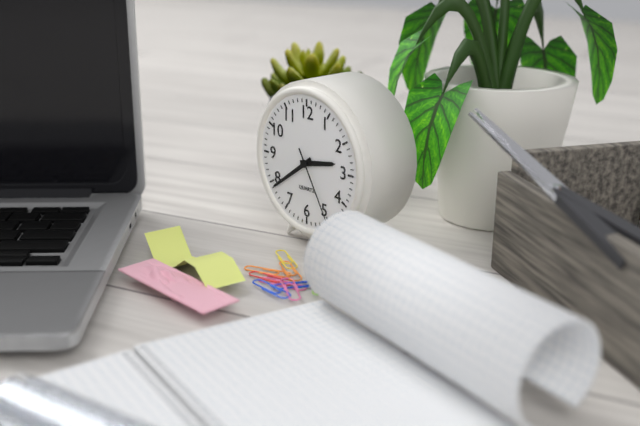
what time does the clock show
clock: 2:39:25
